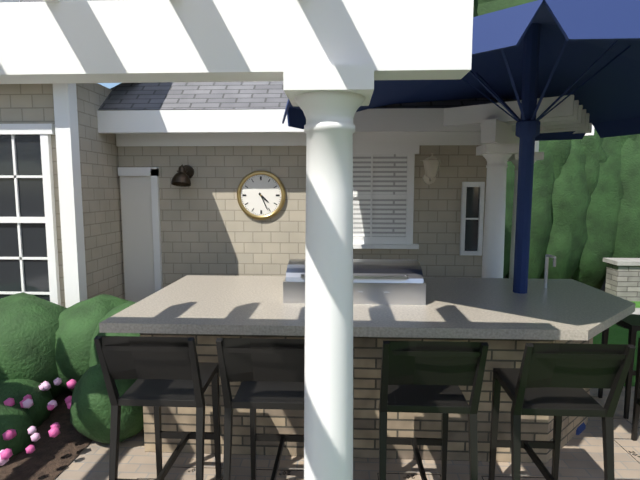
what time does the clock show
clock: 4:26
